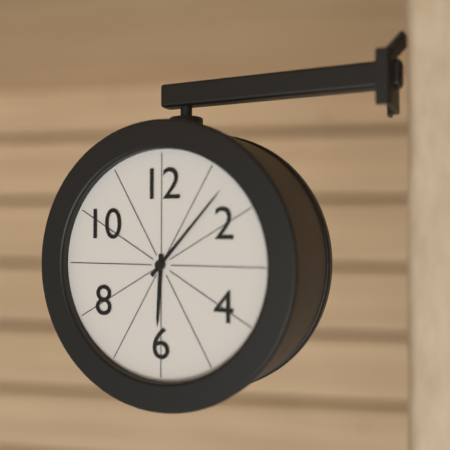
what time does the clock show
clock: 6:07
